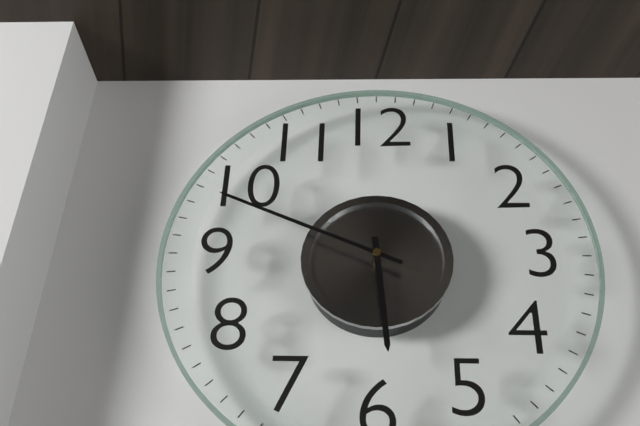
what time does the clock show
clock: 5:49
